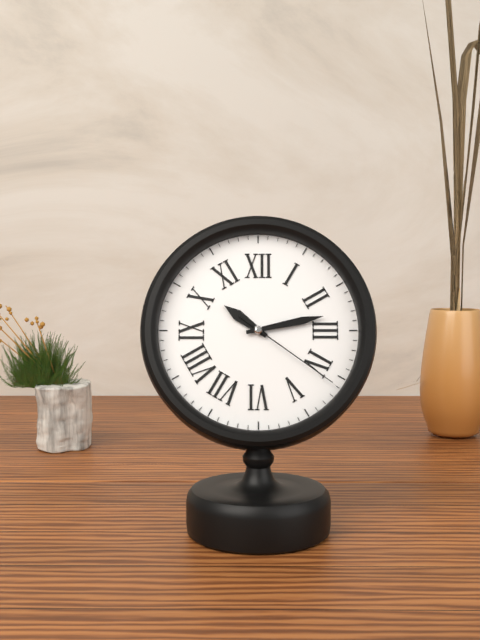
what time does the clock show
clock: 10:13:21
